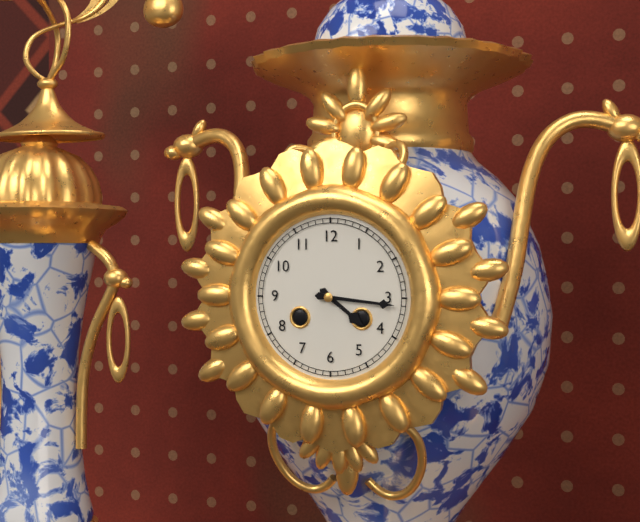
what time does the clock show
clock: 4:16
